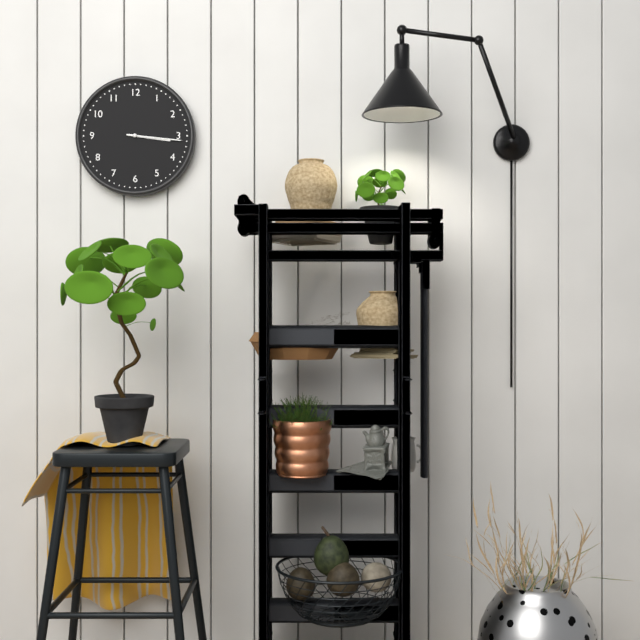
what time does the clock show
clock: 3:16
